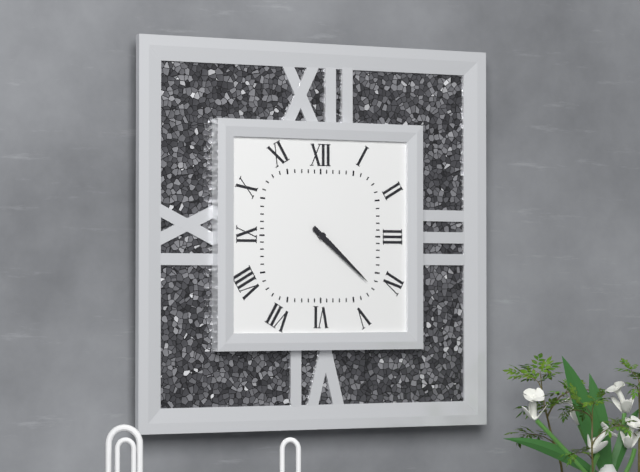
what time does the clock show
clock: 4:22
